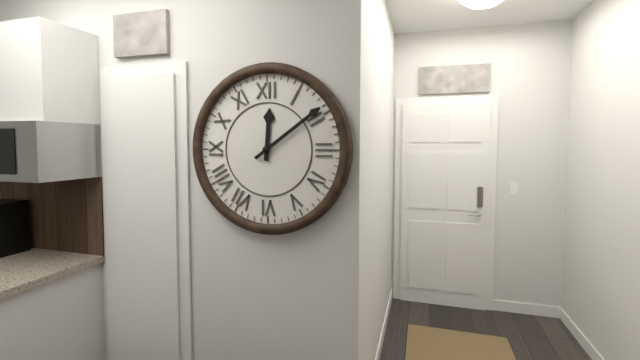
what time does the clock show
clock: 12:09
